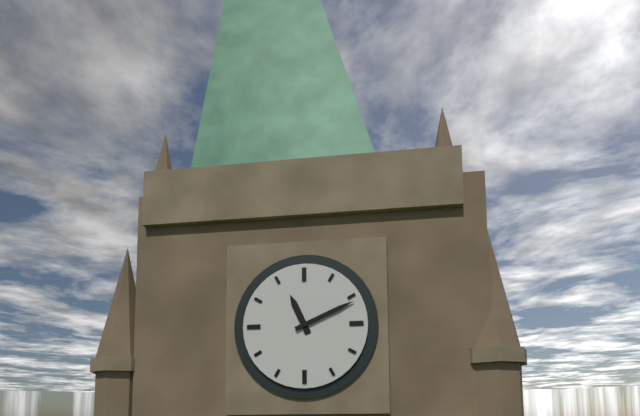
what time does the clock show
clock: 11:11
